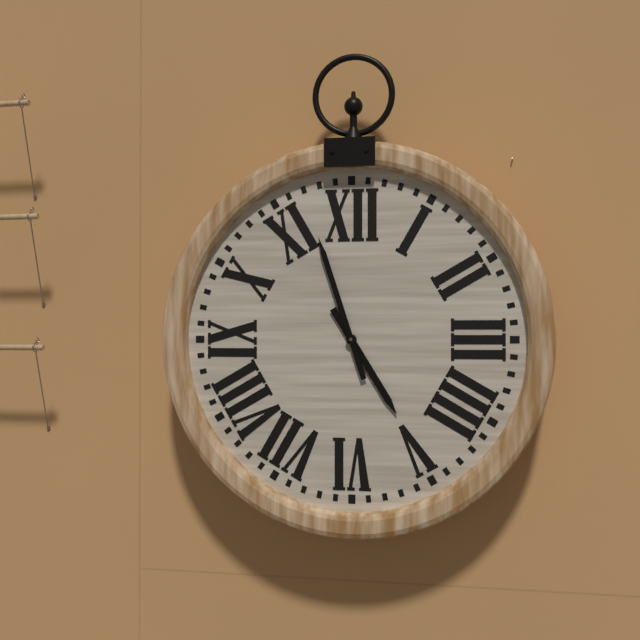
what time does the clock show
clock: 4:57
